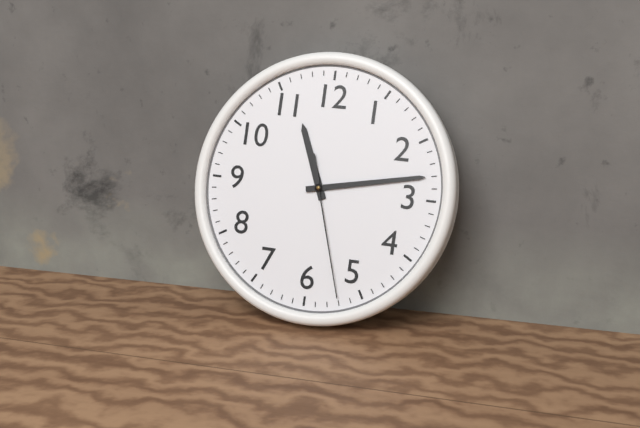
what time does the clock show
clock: 11:13:27
